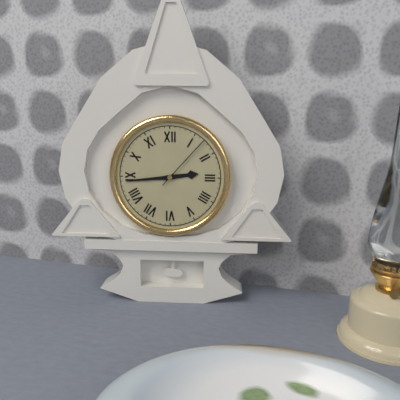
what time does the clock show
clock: 2:44:07
